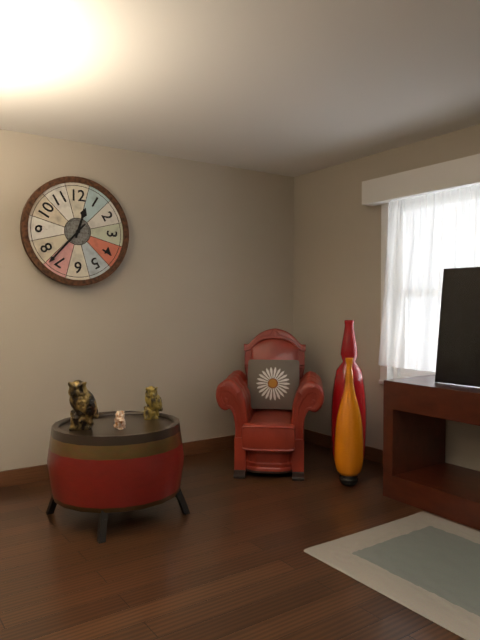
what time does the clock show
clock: 12:37
